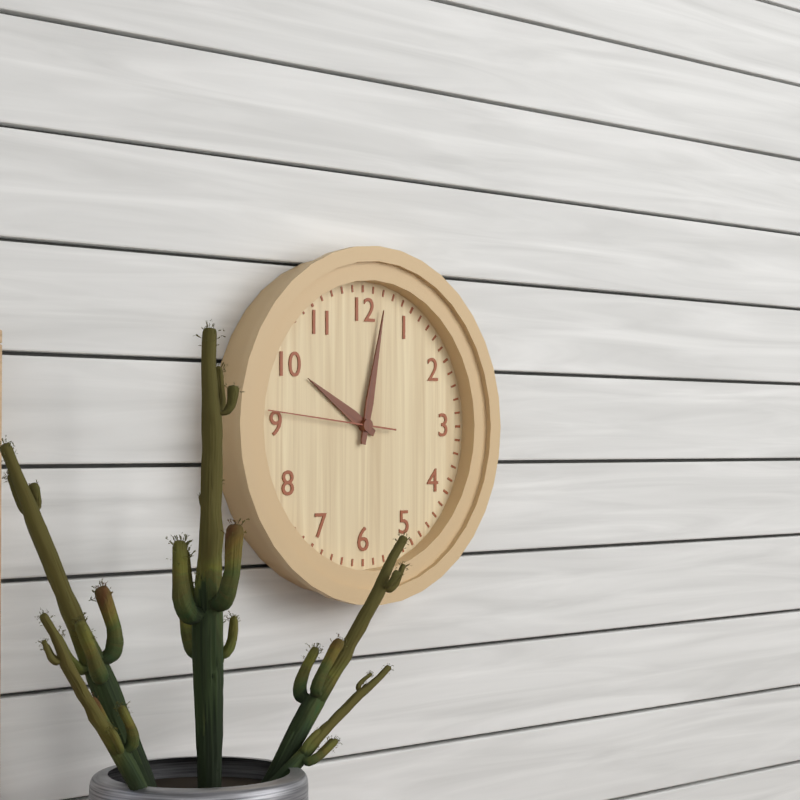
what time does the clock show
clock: 10:02:46
